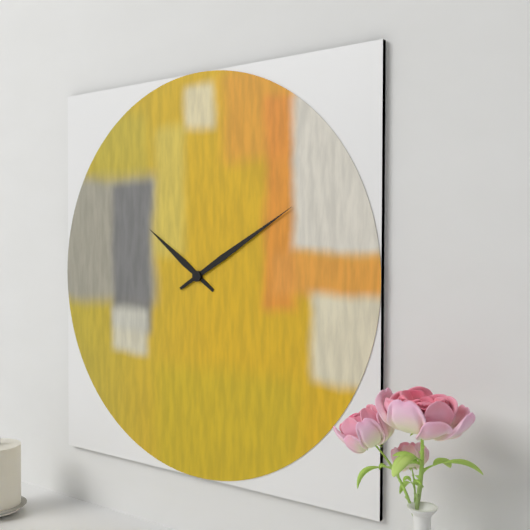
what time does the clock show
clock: 10:10
